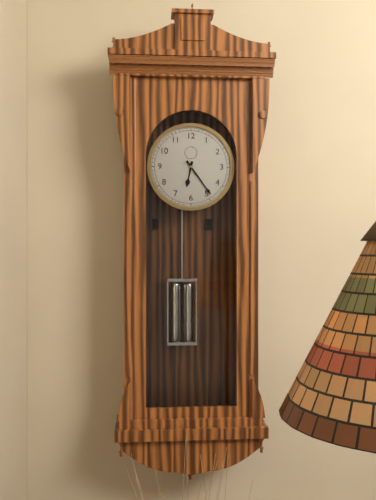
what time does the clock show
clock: 6:24
